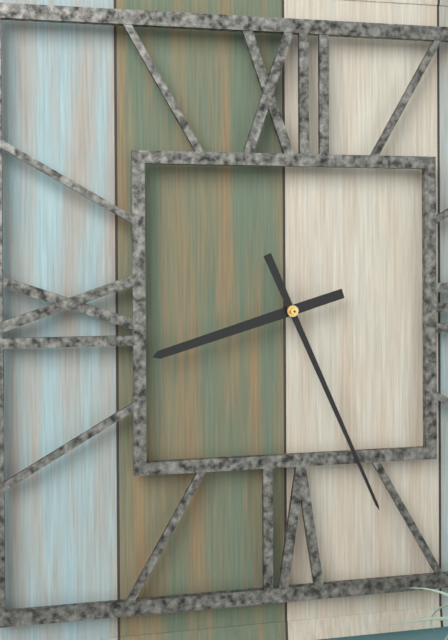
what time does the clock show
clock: 8:26
